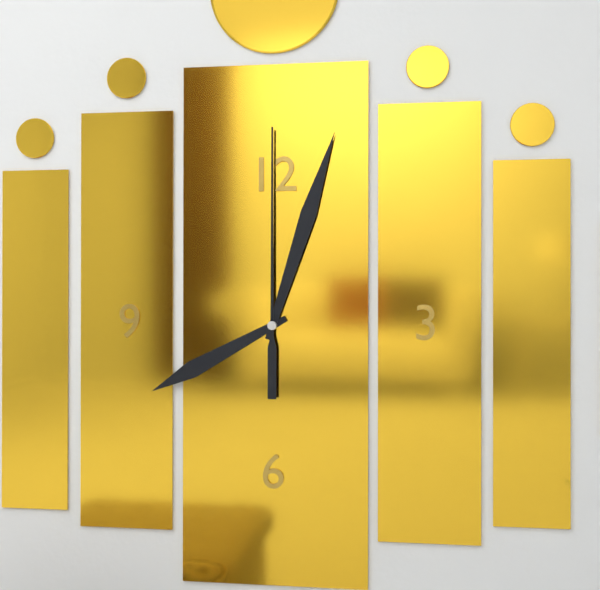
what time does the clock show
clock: 8:03:00
